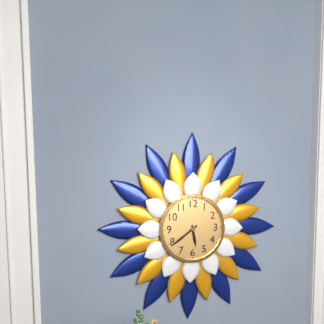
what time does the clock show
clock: 5:39
